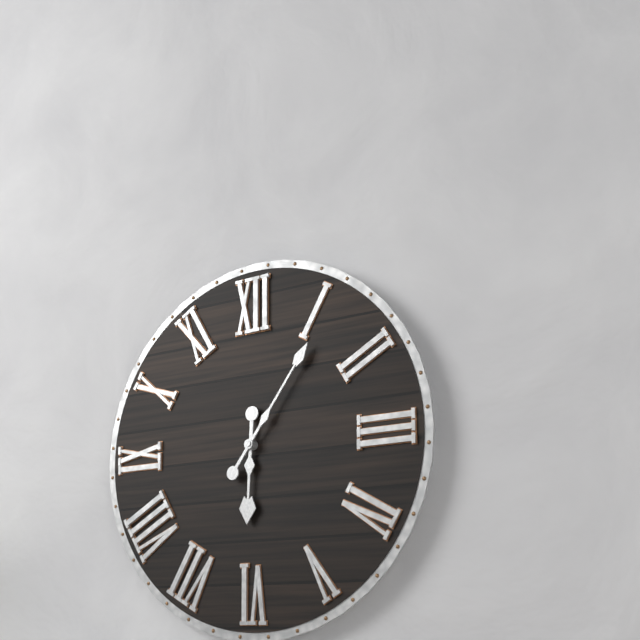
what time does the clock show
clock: 6:06
